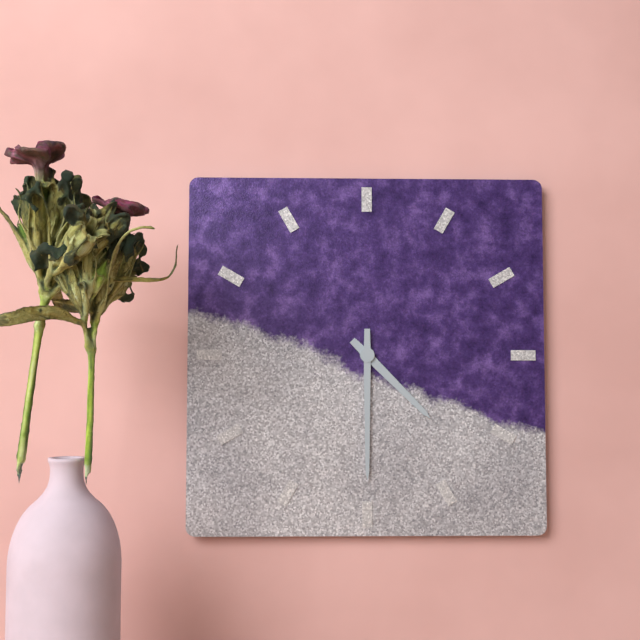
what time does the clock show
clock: 4:30
